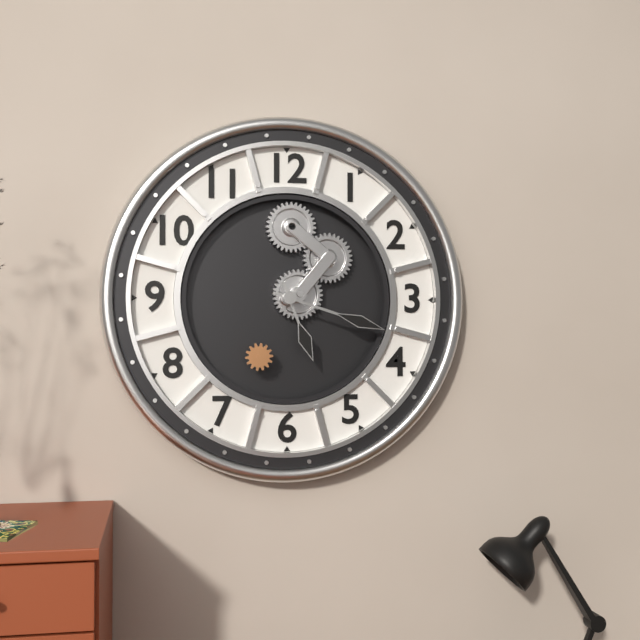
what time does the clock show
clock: 5:18
